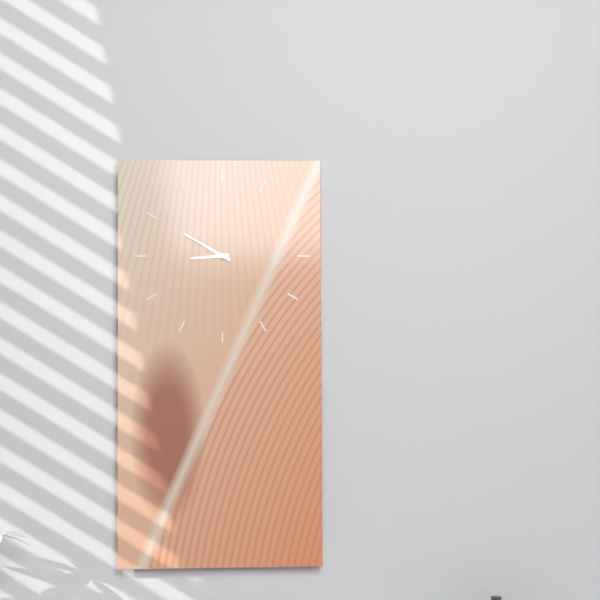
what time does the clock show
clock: 8:50
